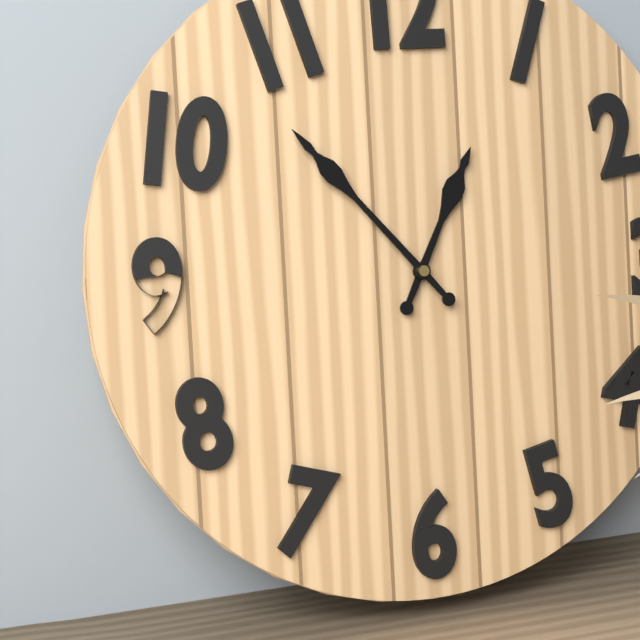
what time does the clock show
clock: 12:53
